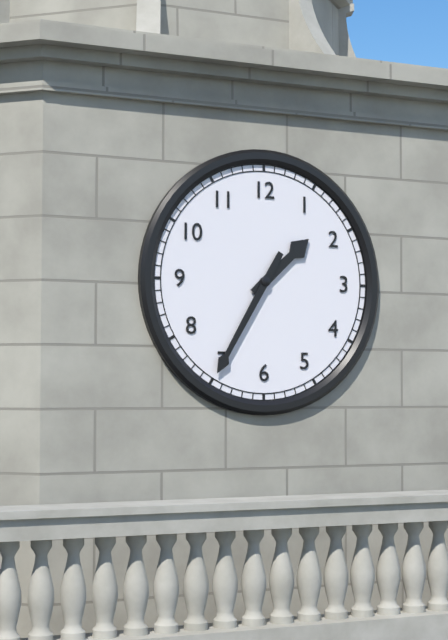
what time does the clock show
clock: 1:35
